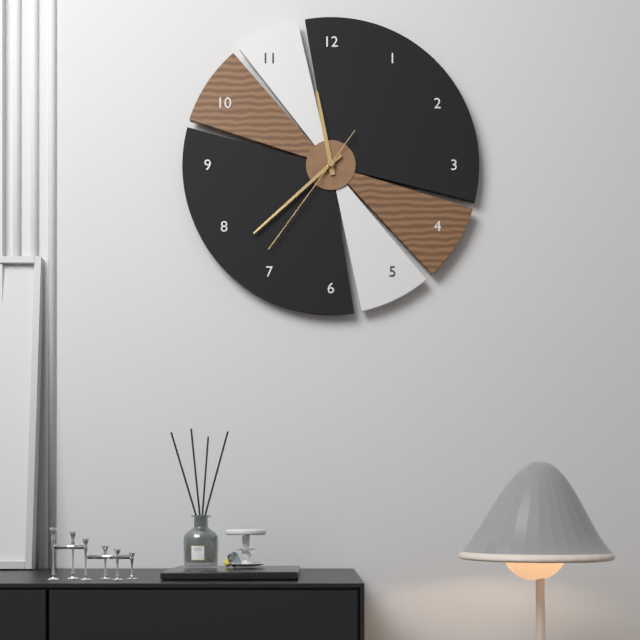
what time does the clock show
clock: 11:38:36
